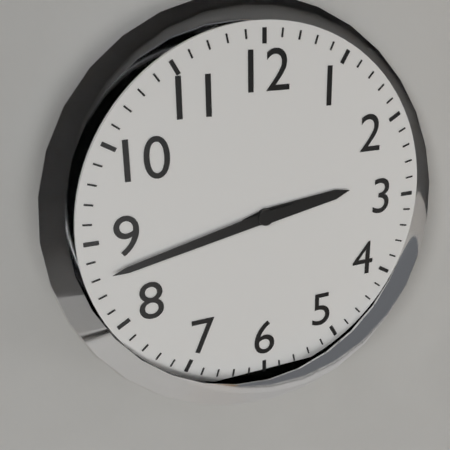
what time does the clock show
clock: 2:43
